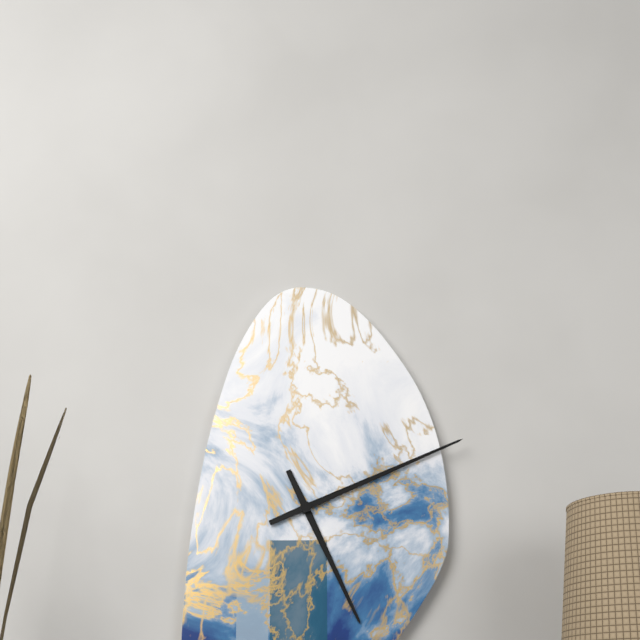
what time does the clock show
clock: 5:11
